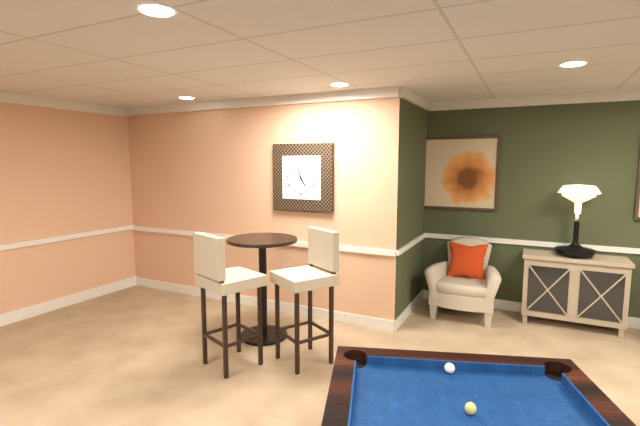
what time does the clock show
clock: 4:57
